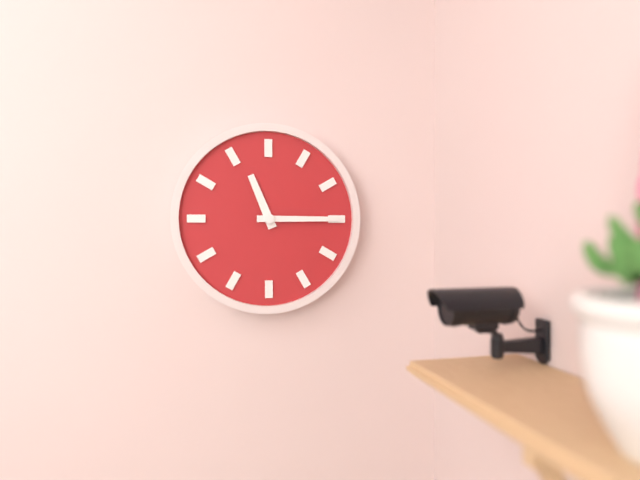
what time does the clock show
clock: 11:15
